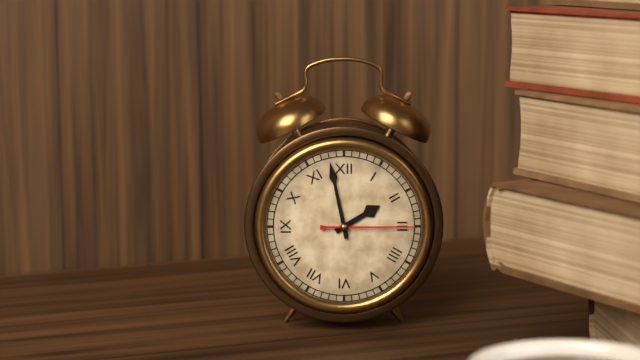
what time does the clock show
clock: 1:58:15
